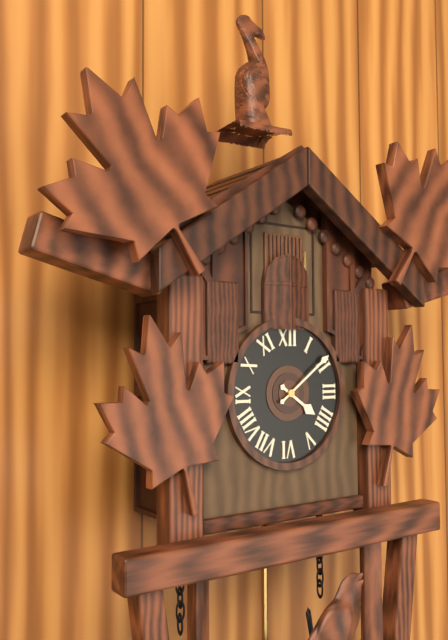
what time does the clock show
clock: 4:09
